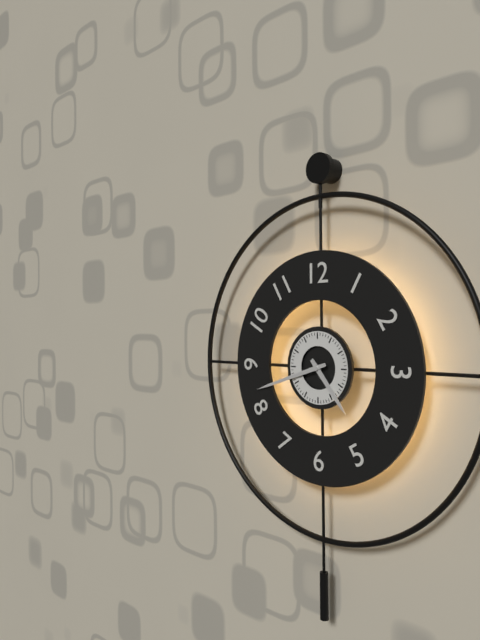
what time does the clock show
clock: 4:42
